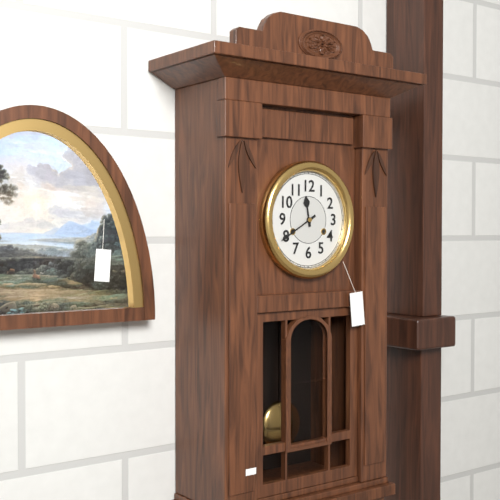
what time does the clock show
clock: 11:40
